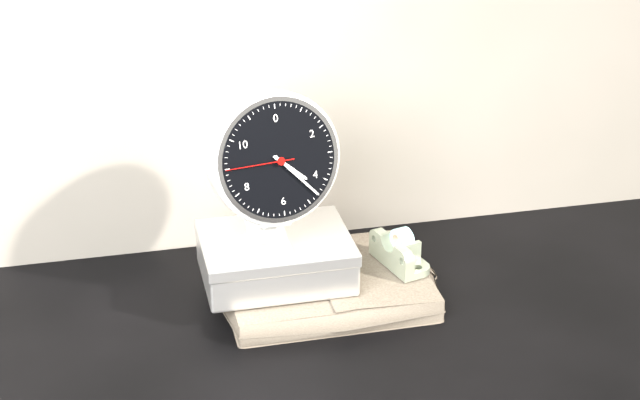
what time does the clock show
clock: 4:23:45
